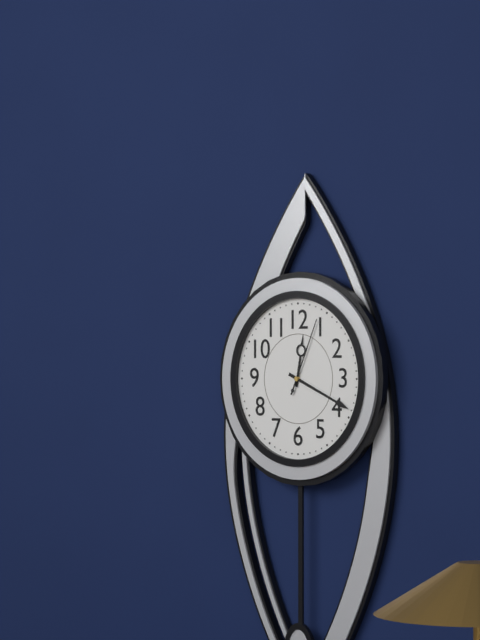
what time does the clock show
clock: 12:19:04
